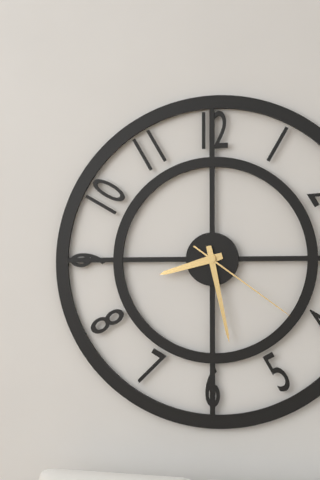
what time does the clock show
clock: 8:28:21
